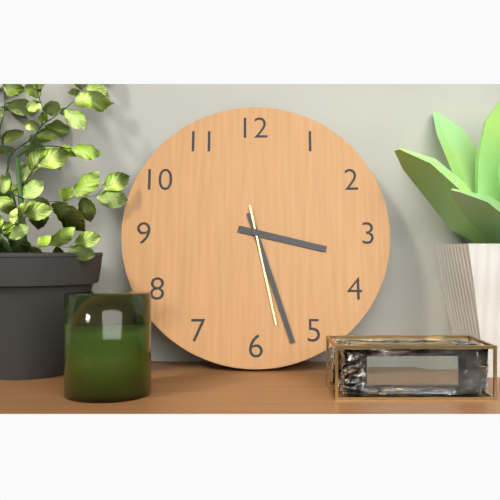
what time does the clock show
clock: 3:27:28
